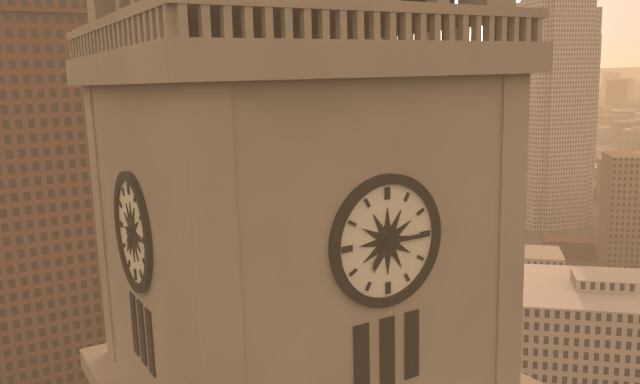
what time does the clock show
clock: 7:15
